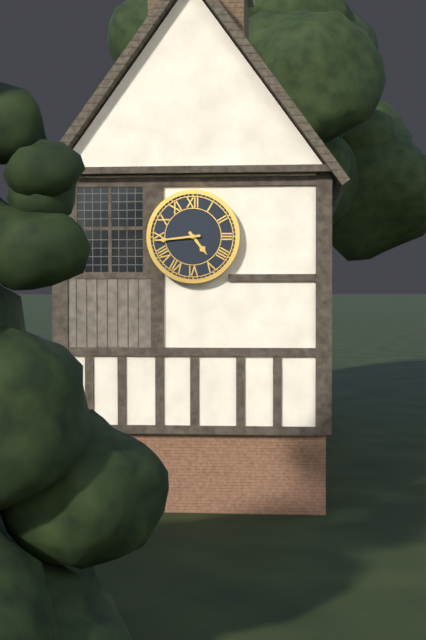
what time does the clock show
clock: 4:44
